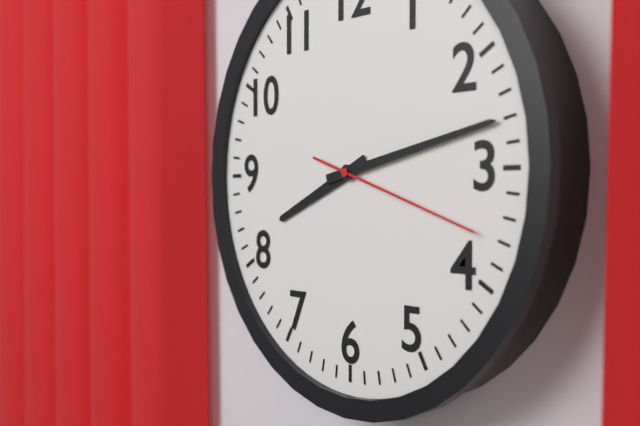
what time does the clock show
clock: 8:13:18
